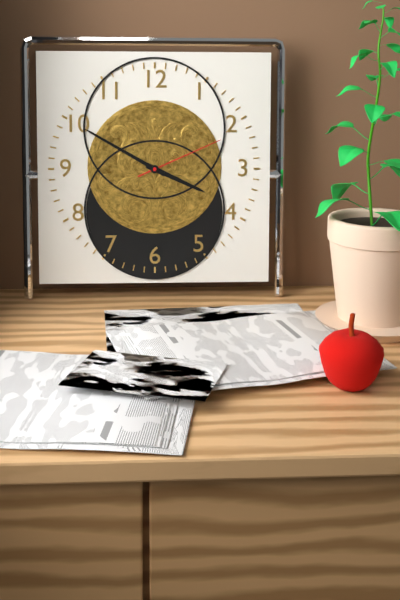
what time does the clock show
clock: 3:50:11
